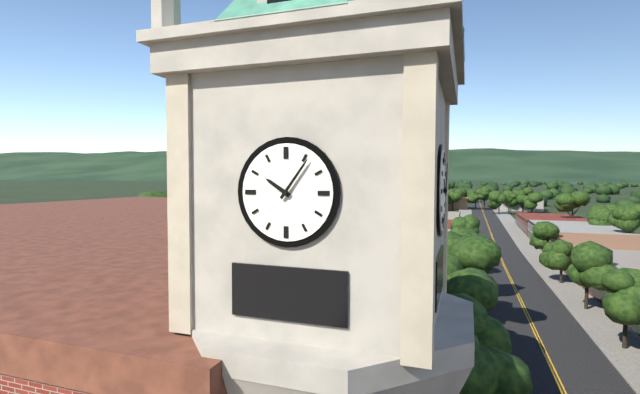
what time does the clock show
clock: 10:06
